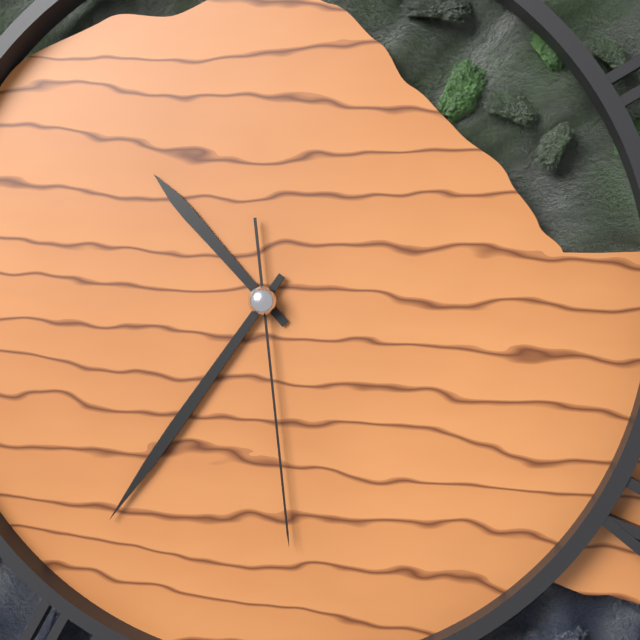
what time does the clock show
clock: 10:36:29
